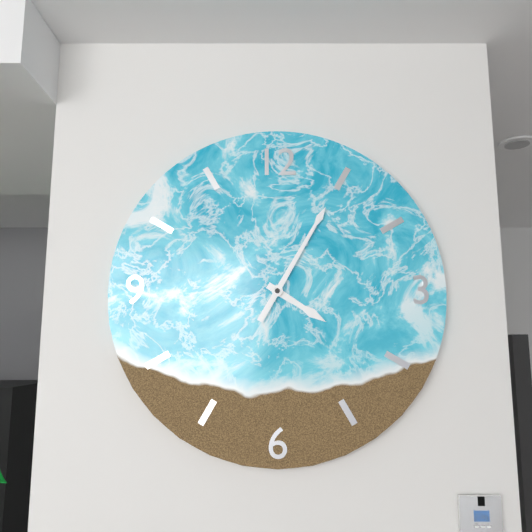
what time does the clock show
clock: 4:05
